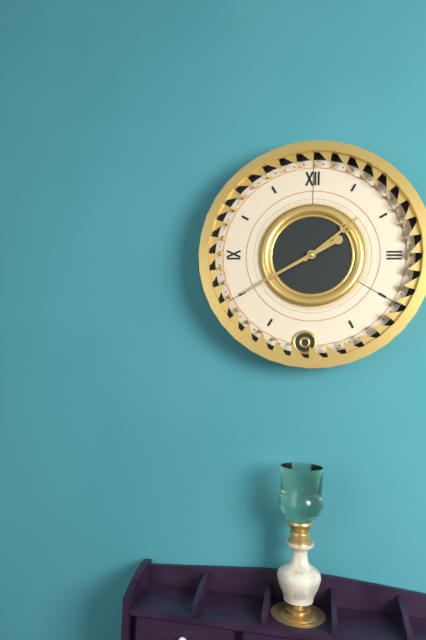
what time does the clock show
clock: 1:40
